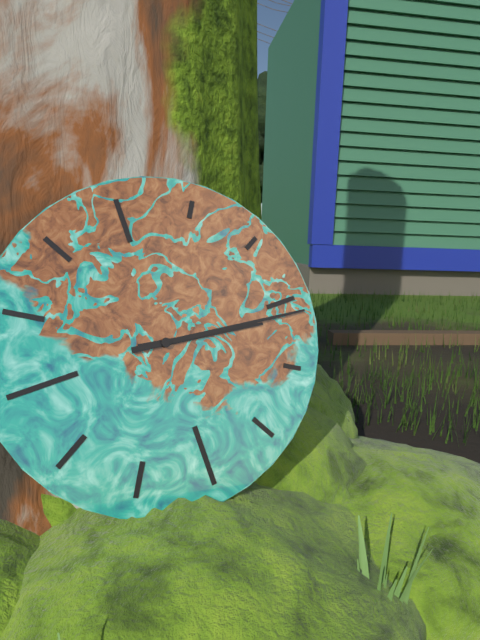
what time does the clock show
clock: 3:16
